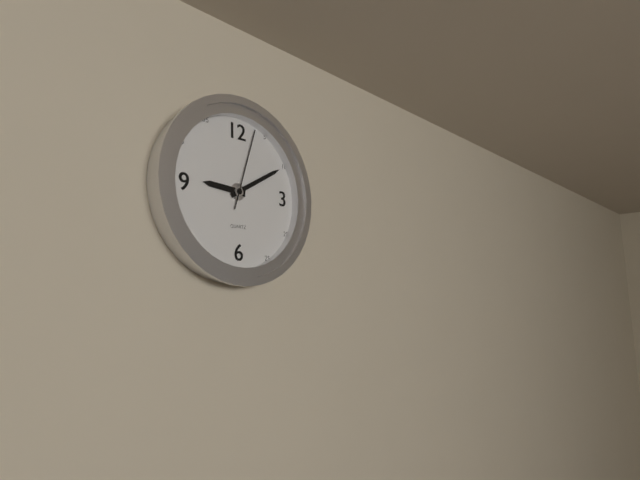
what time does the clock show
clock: 9:10:03
